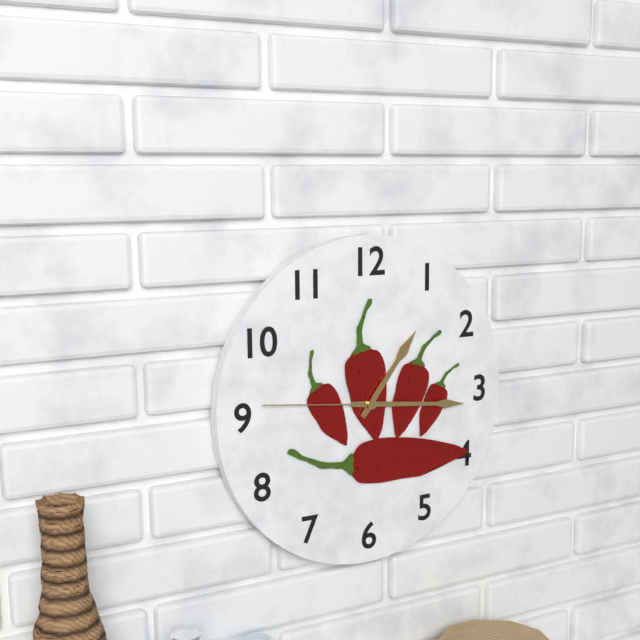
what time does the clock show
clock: 1:16:46
